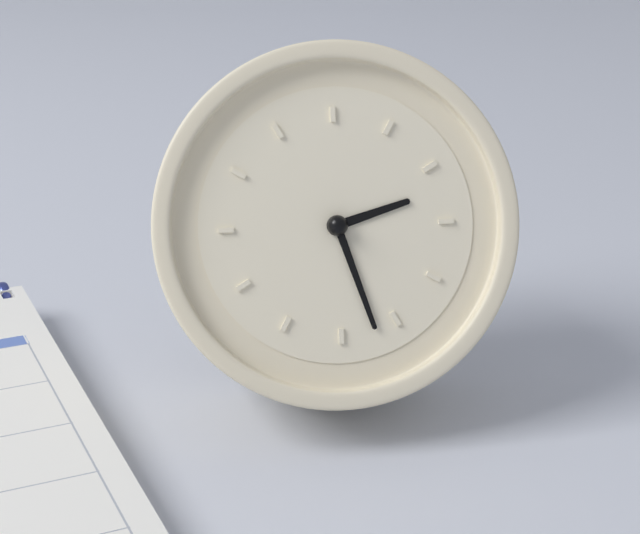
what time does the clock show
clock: 2:27
